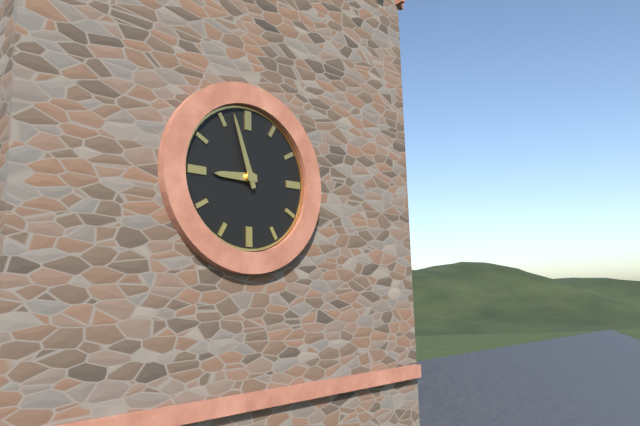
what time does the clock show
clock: 8:57
